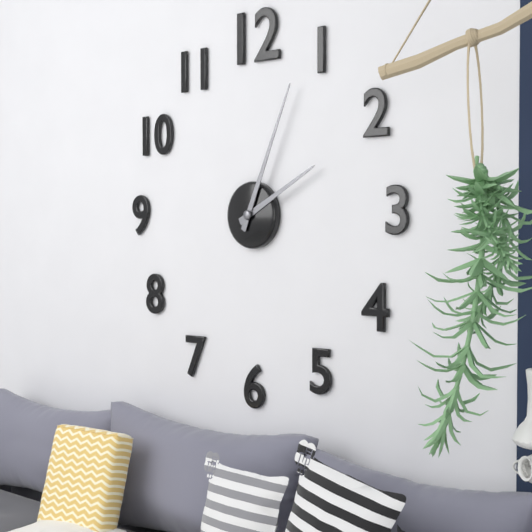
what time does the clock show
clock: 2:04
